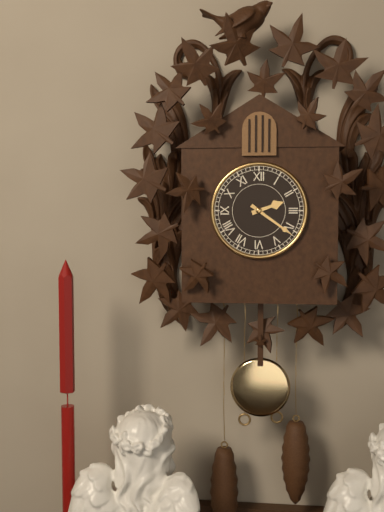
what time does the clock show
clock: 2:21
